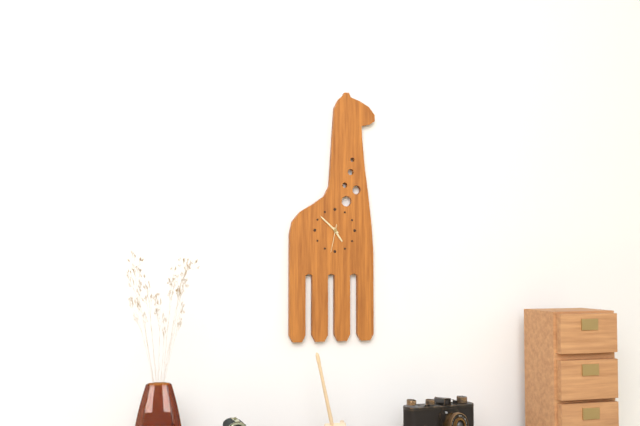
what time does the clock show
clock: 4:52
